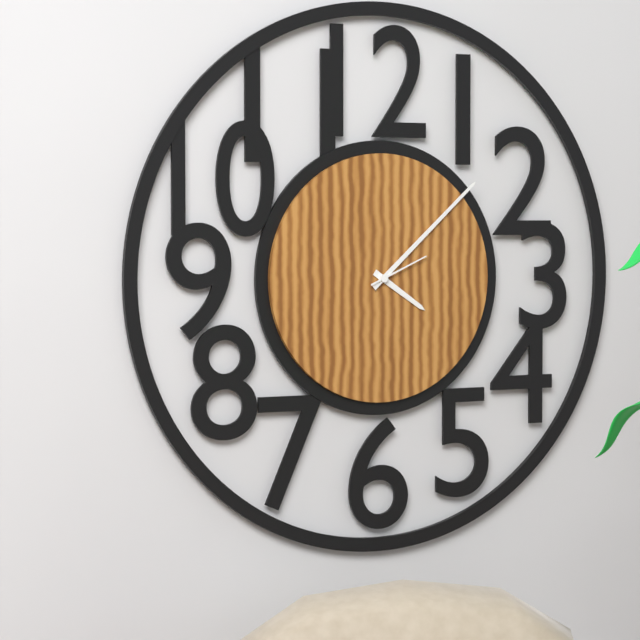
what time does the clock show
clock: 4:08:11
